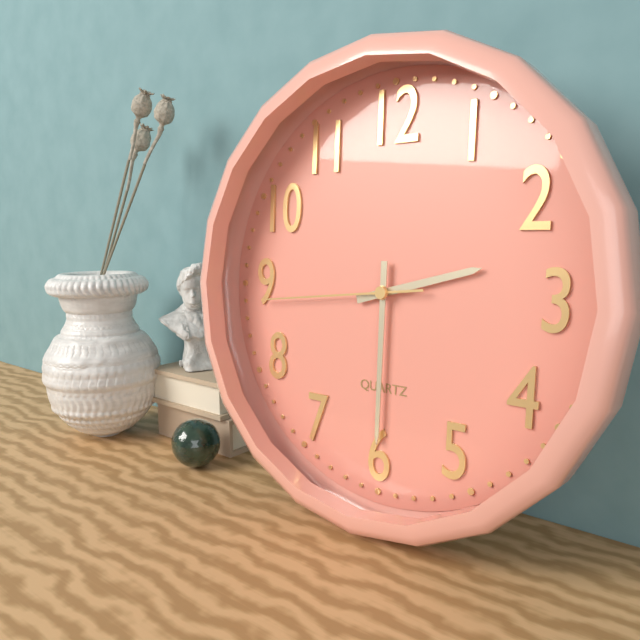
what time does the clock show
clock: 2:30:44
